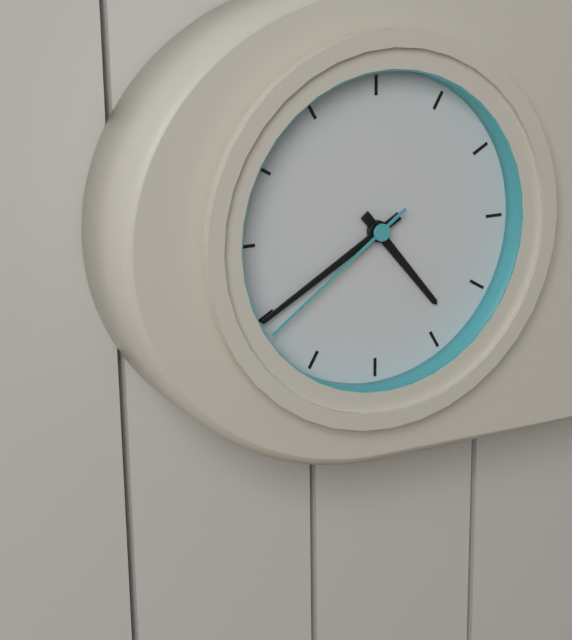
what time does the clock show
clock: 4:40:39
